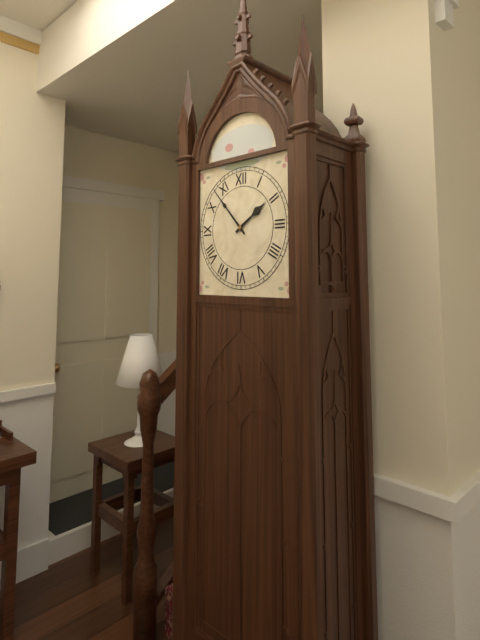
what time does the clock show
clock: 1:53
